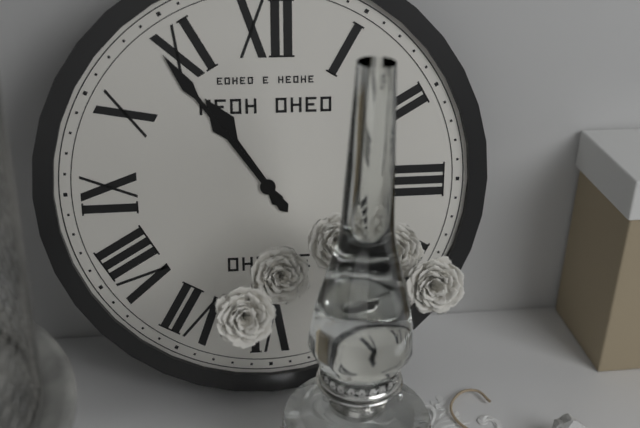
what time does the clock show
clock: 10:54
